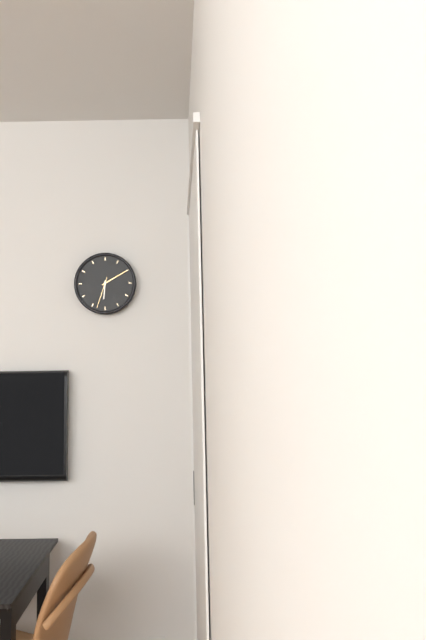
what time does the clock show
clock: 6:10
